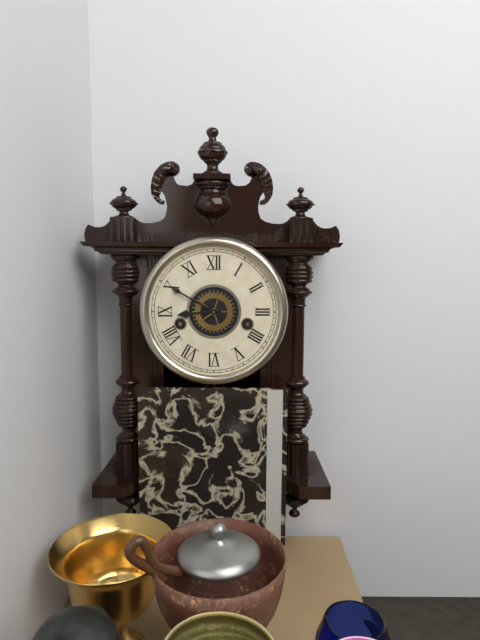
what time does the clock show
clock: 8:50
